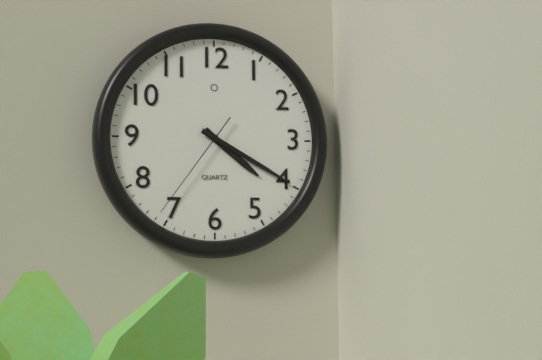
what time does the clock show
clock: 4:20:36
